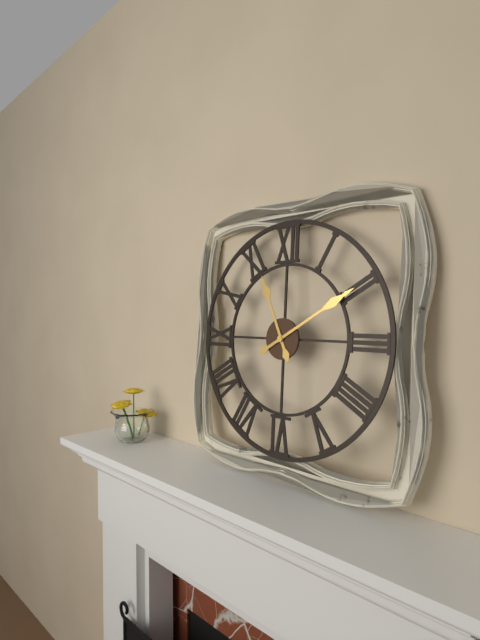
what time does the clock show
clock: 11:10
